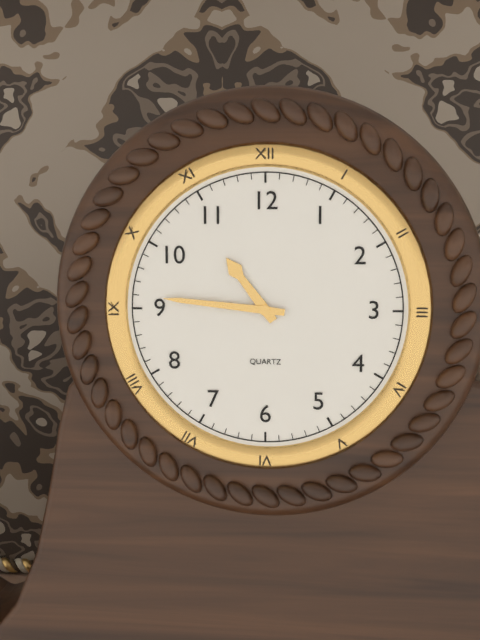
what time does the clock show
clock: 10:46
